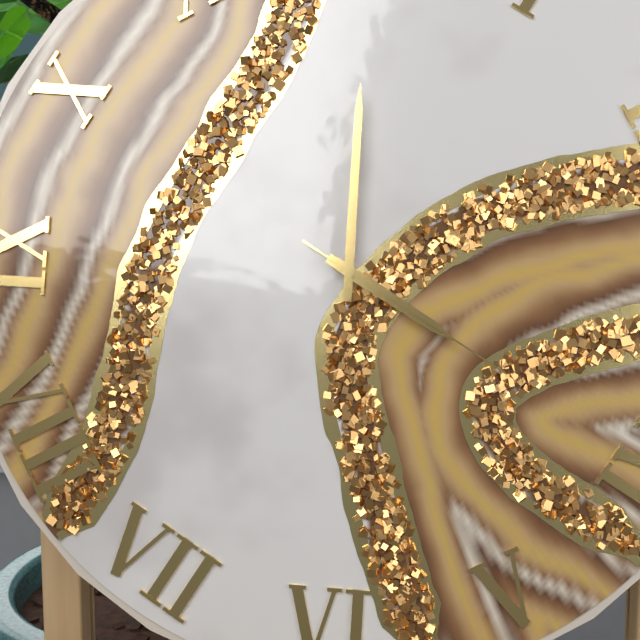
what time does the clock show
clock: 4:00:20
